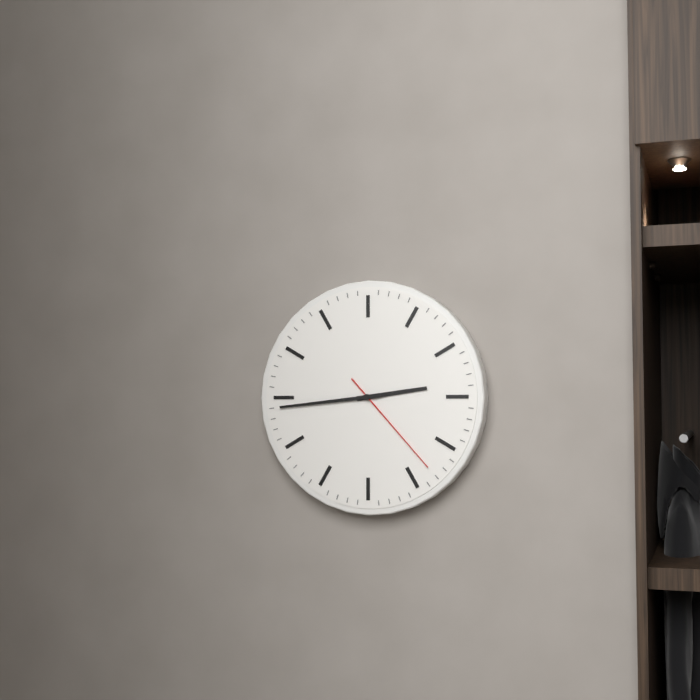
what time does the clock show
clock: 2:44:23
